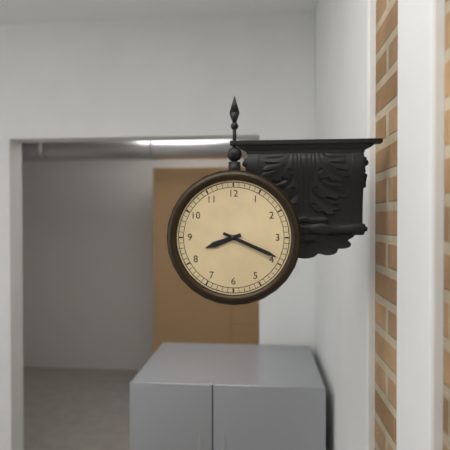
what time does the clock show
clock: 8:19
